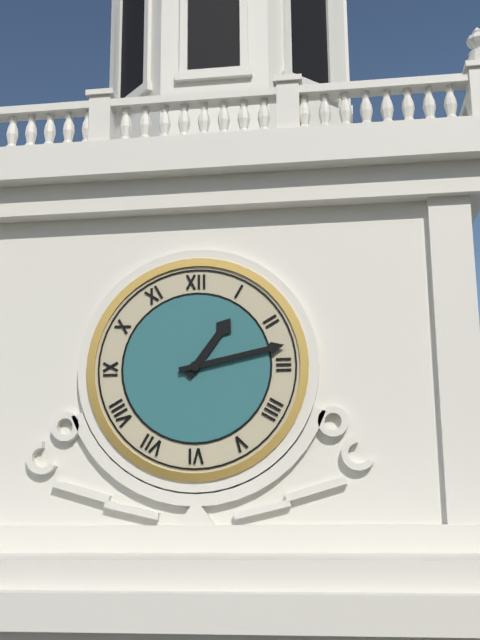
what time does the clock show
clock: 1:13
